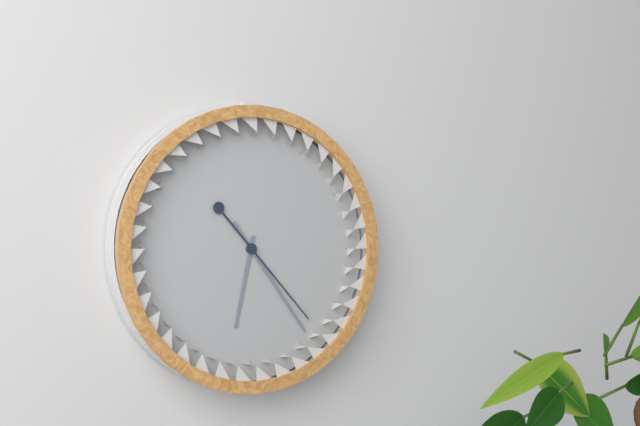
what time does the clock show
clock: 6:24:23
